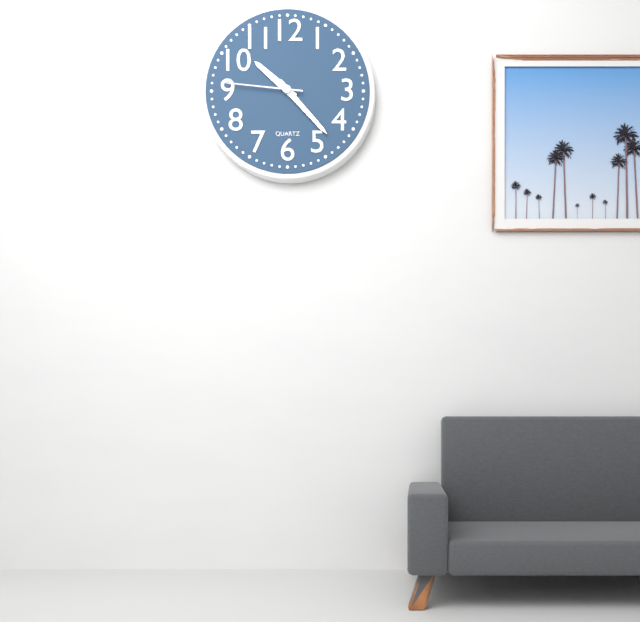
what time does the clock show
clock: 10:23:46
